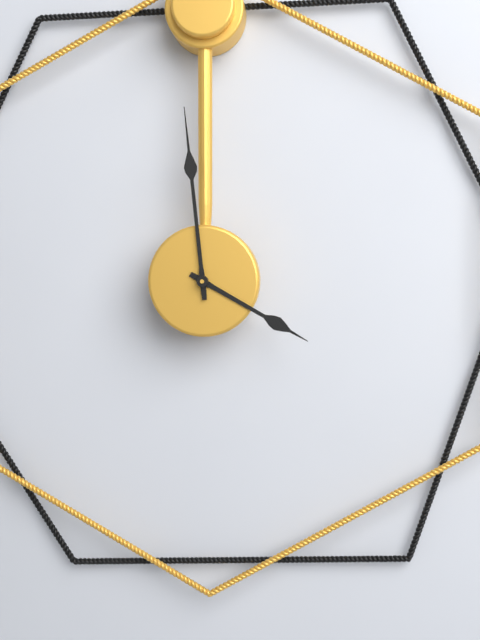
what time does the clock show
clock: 3:59
